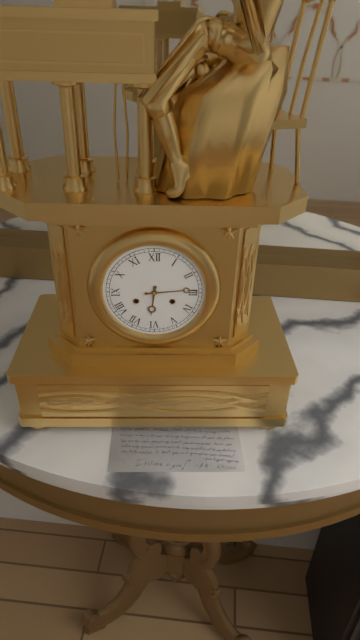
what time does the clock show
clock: 6:14
